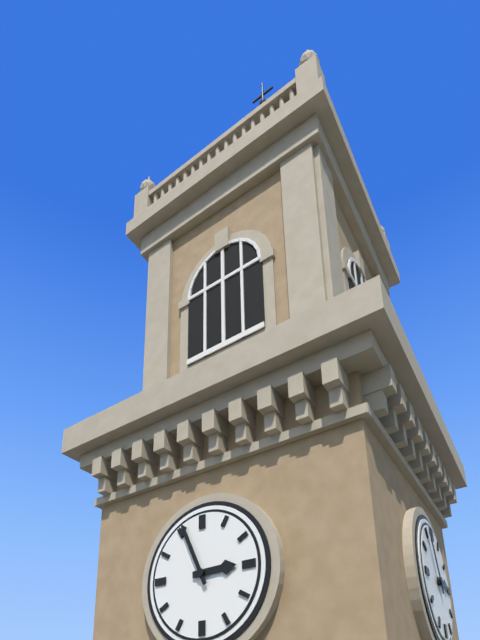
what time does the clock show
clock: 2:56
